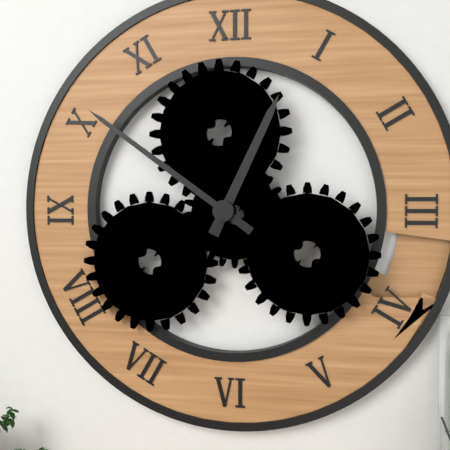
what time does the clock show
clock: 12:51
